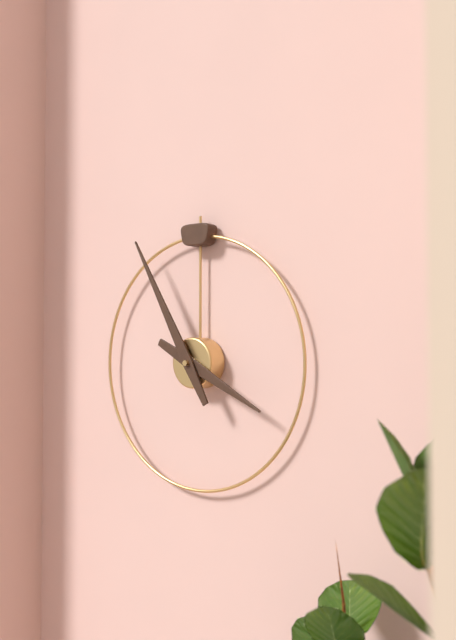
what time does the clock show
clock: 3:55
